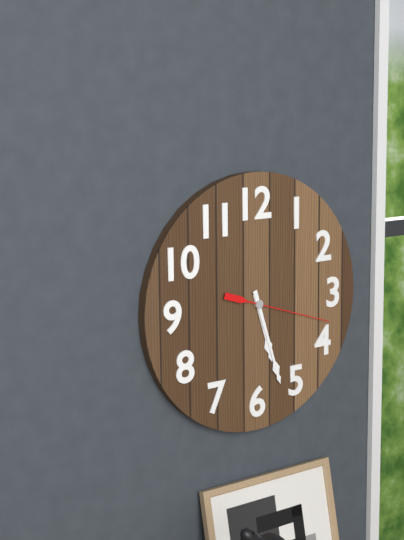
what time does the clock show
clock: 5:27:18
